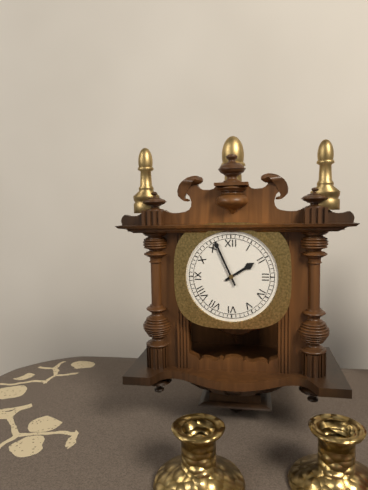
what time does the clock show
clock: 1:56
